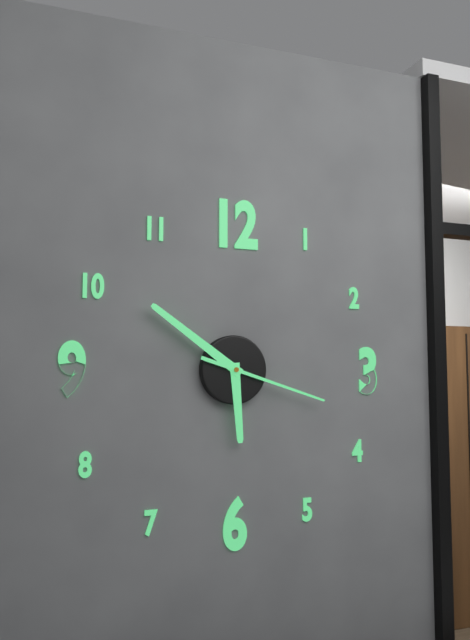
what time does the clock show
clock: 5:51:18
